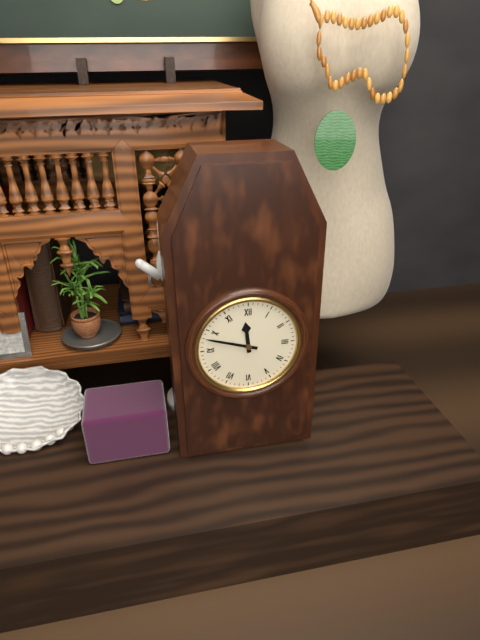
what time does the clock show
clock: 11:48
